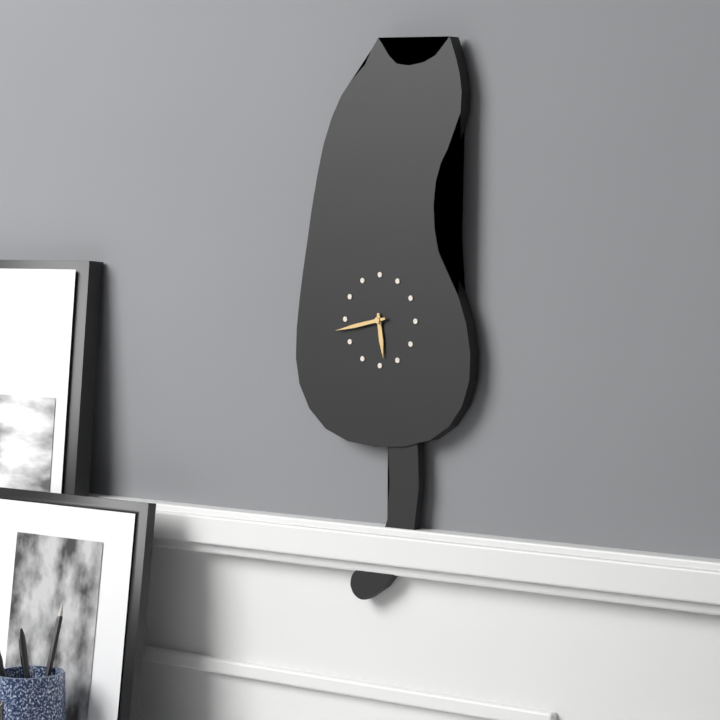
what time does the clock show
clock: 5:43
